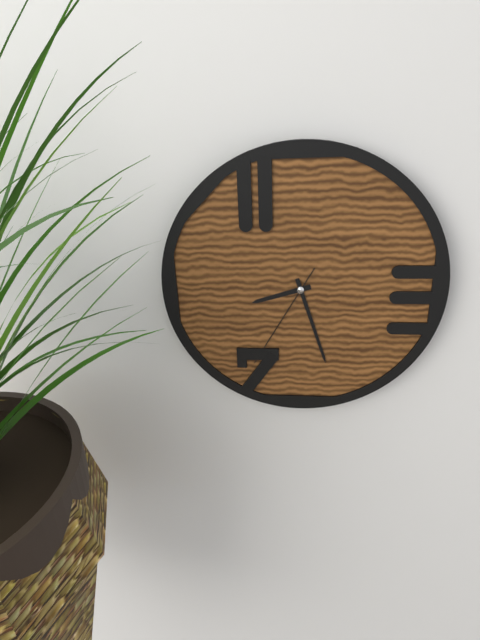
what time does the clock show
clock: 8:27:35
